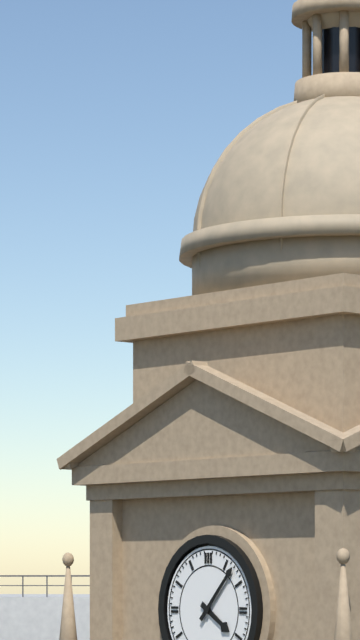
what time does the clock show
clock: 4:07
